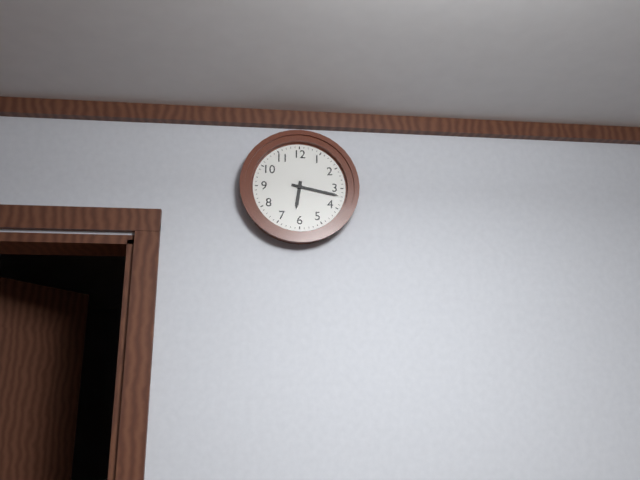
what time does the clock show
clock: 6:17
